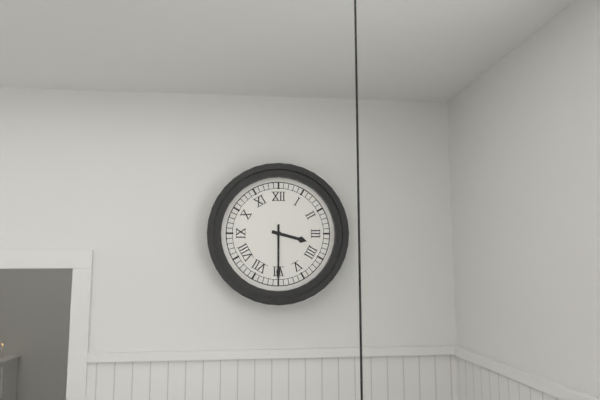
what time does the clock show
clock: 3:30
